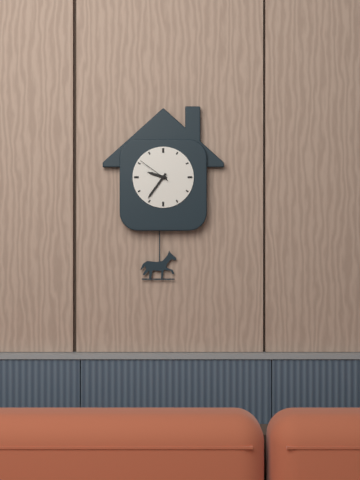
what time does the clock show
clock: 9:36
